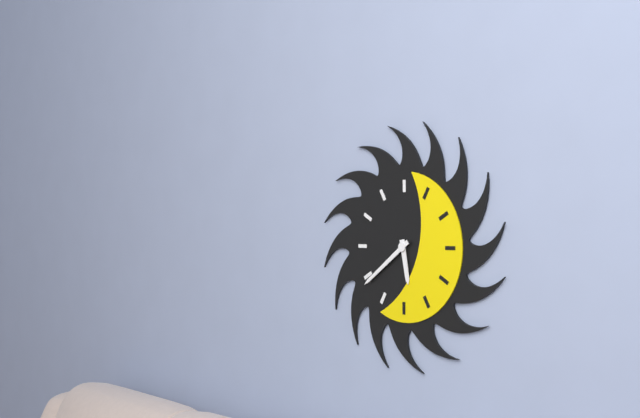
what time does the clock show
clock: 5:39
